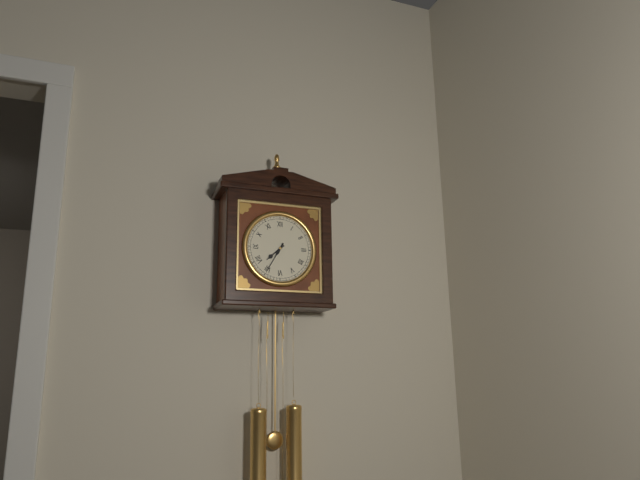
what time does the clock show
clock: 7:35
